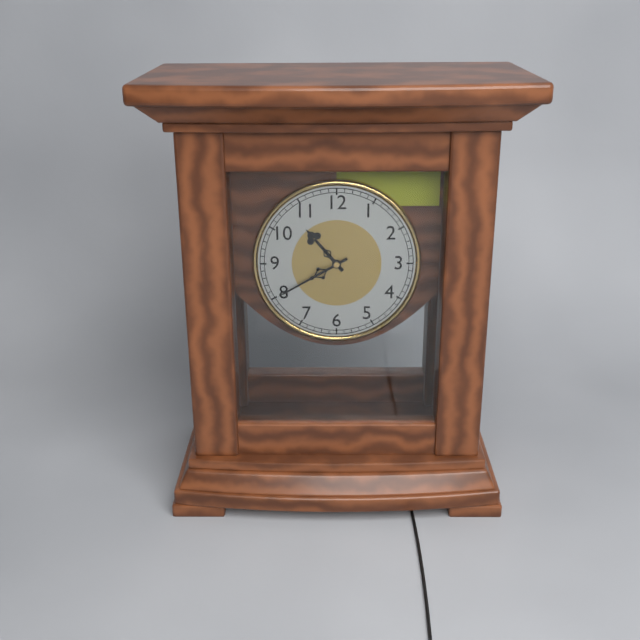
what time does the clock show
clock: 10:40
